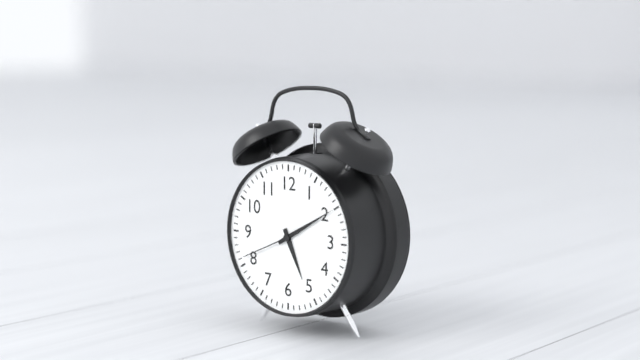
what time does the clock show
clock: 5:10:41
